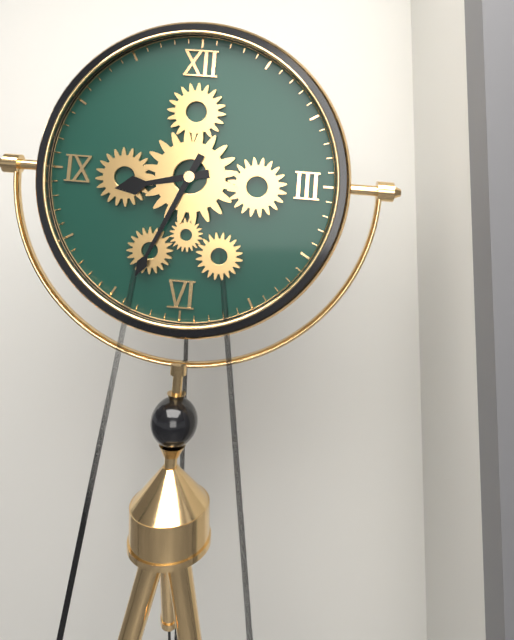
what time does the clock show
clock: 8:34
